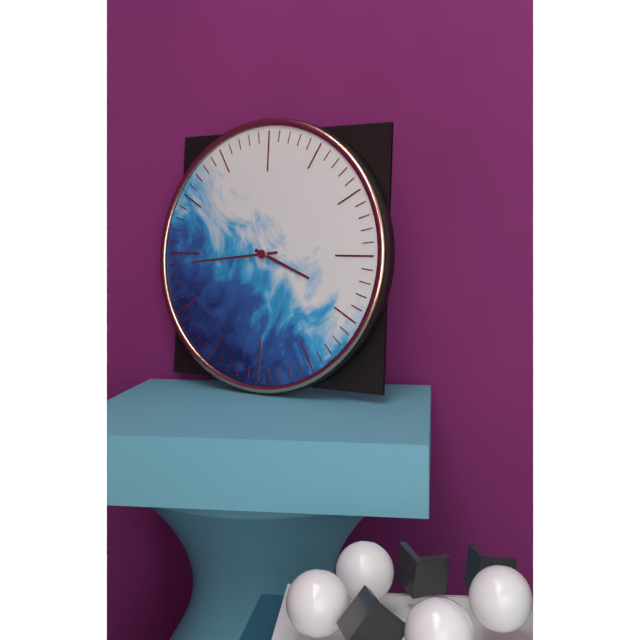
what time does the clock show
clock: 3:44
